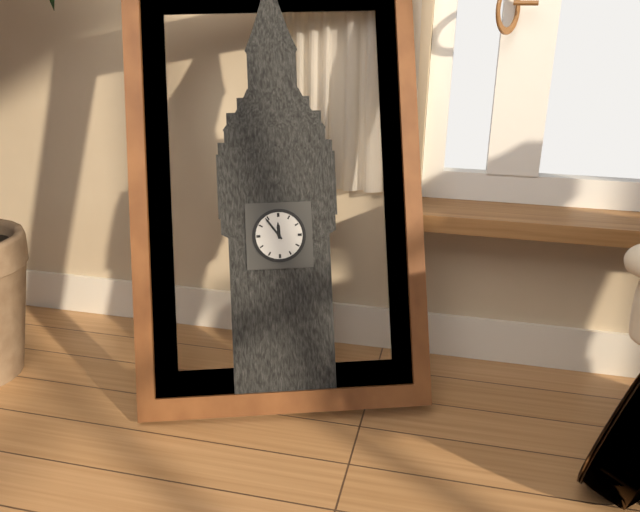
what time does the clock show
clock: 11:54
